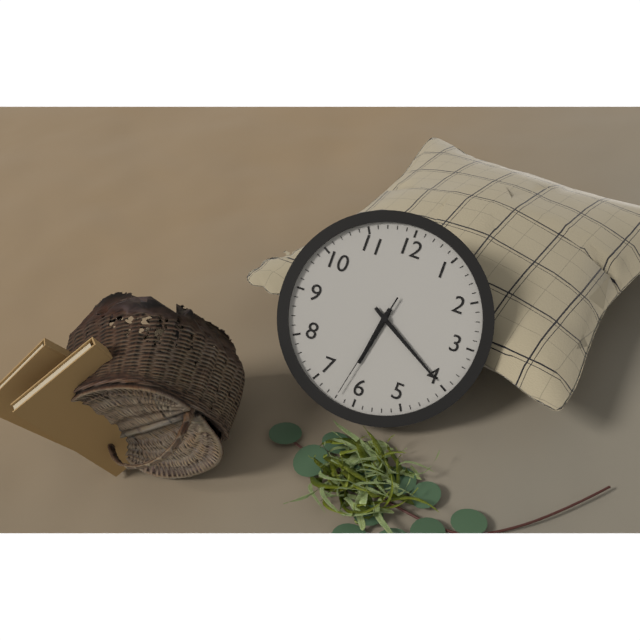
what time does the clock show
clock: 6:20:32
